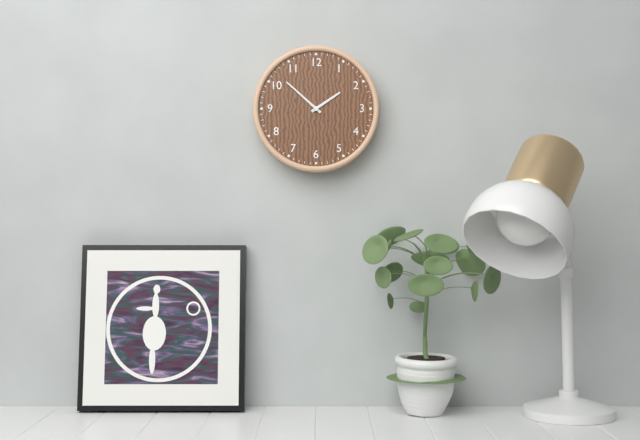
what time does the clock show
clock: 1:52
